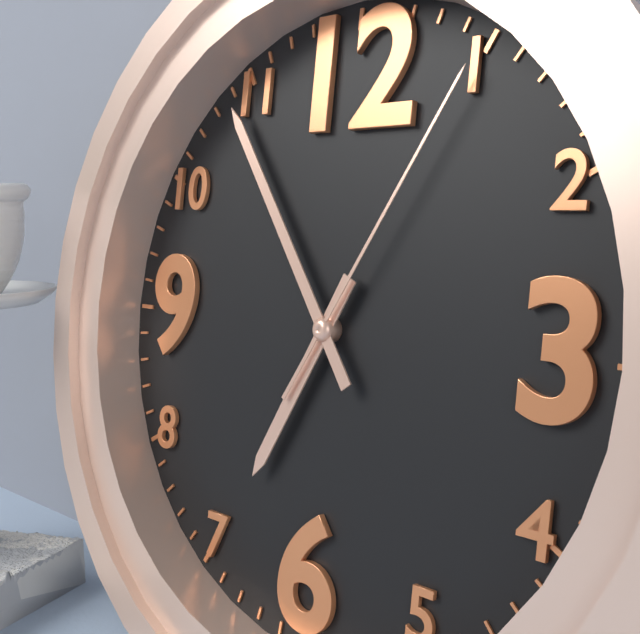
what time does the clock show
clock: 6:54:05
